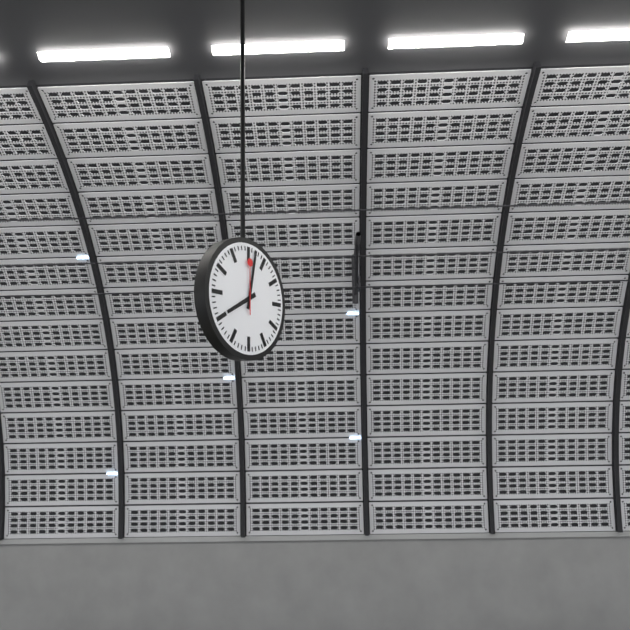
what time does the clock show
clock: 8:02
